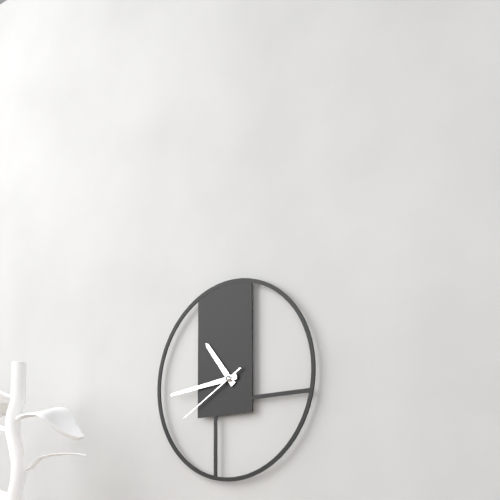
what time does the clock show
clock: 10:44:40
